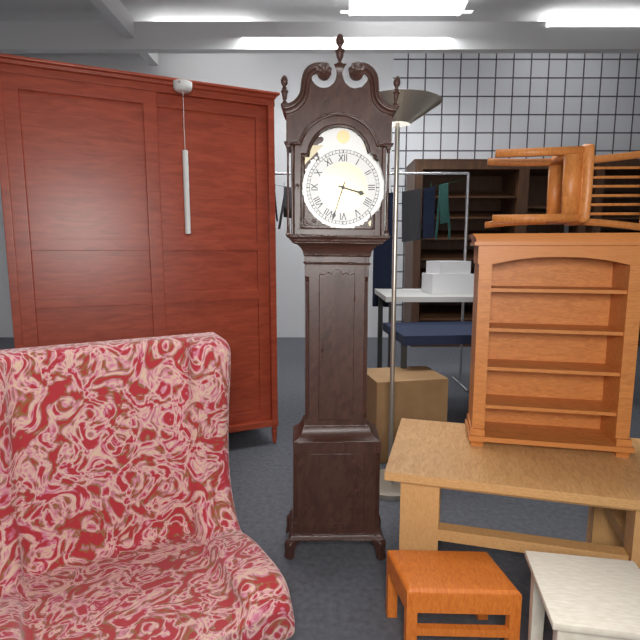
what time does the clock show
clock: 3:33
